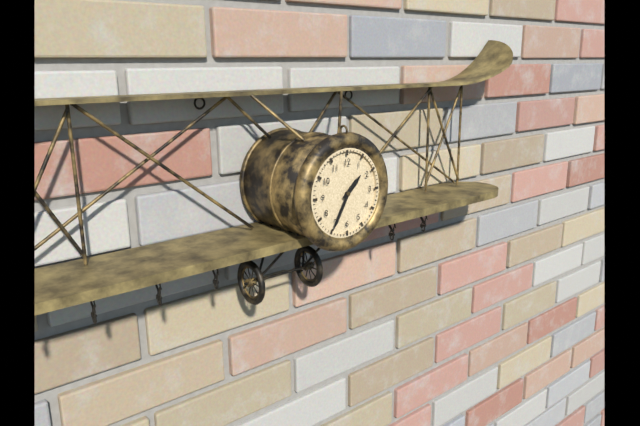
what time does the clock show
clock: 1:35
